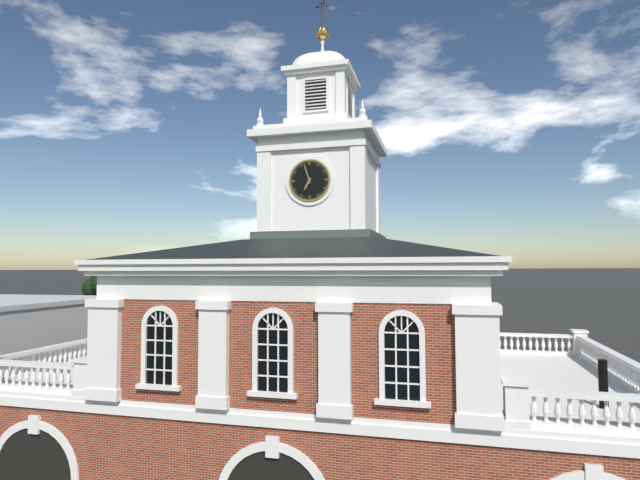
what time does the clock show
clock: 6:57
